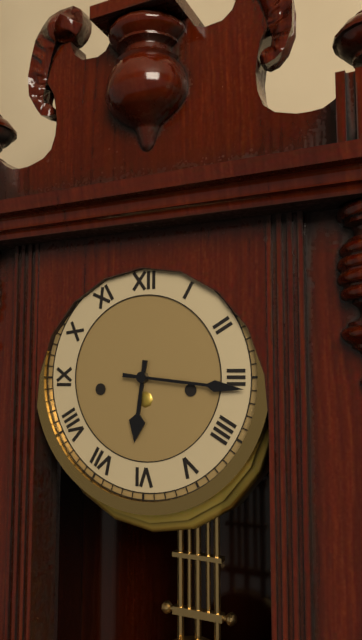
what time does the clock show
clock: 6:16
